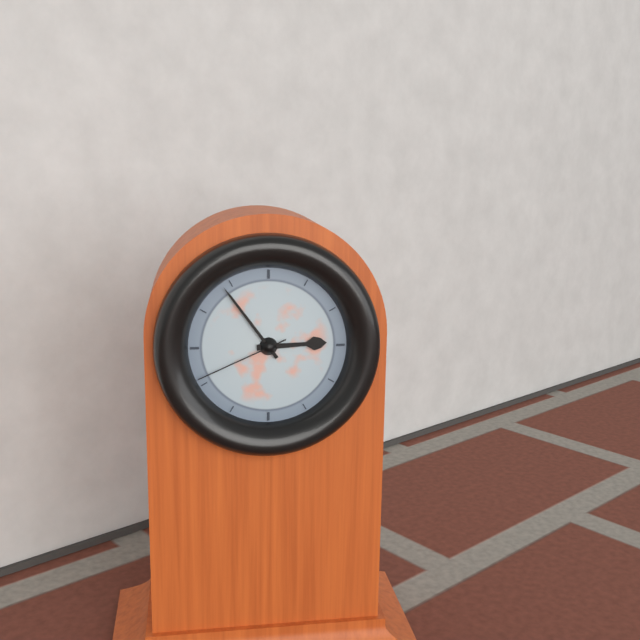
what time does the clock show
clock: 2:54:41
